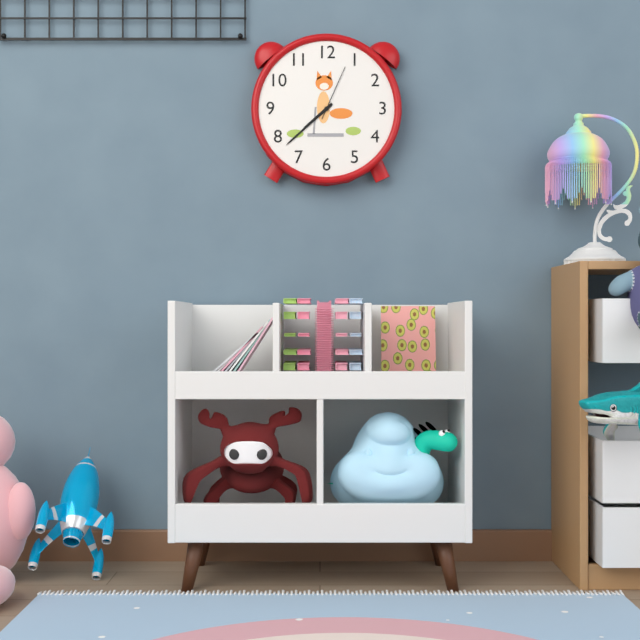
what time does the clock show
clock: 7:38:04
